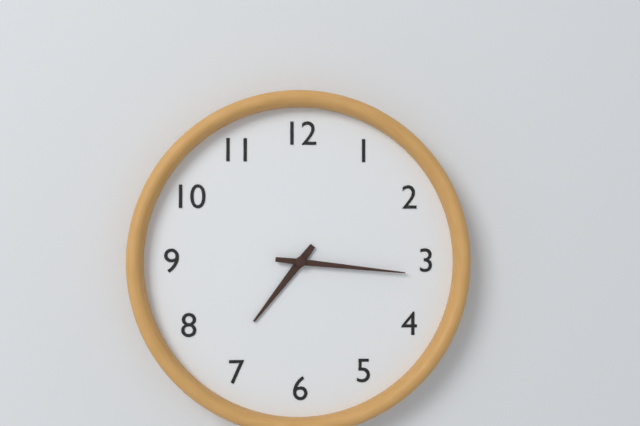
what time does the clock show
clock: 7:16
